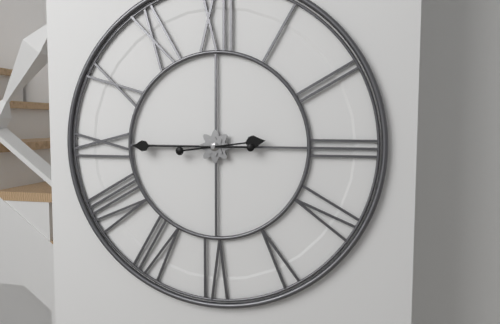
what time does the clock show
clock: 2:45
